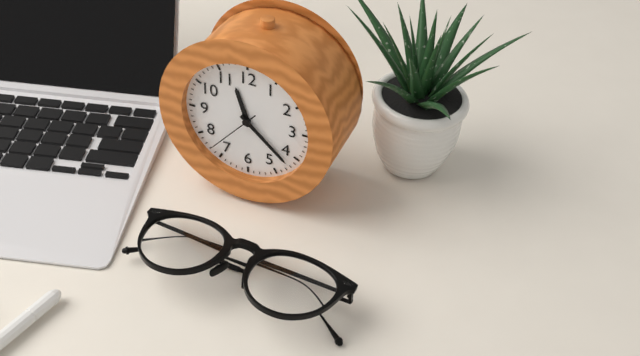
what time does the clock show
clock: 11:22:37
